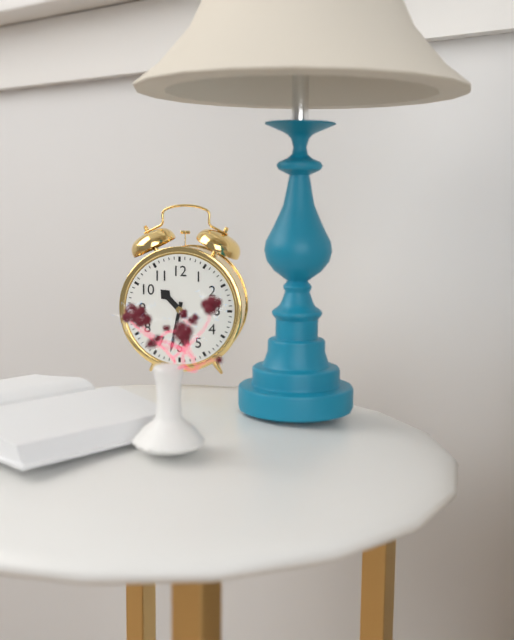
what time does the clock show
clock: 10:32
